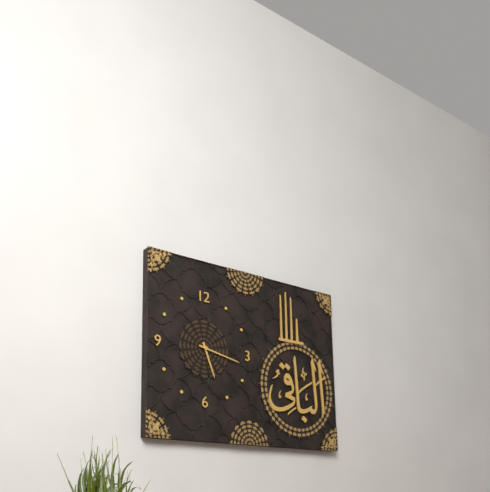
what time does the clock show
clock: 5:17
